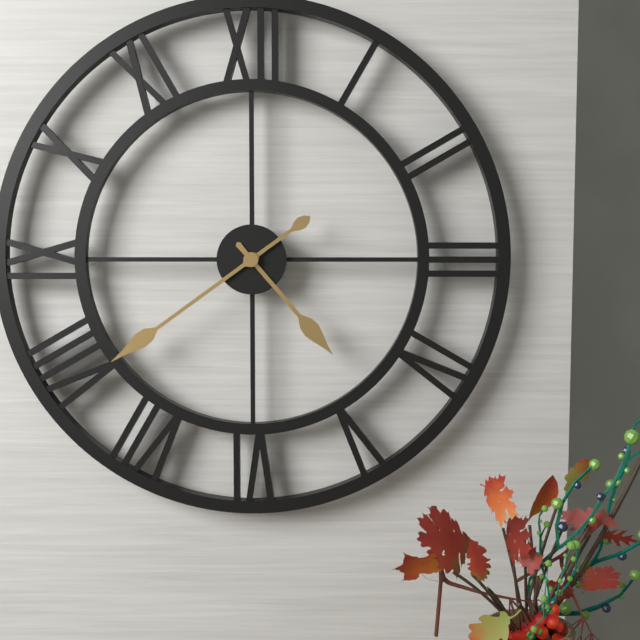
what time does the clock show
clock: 4:39
